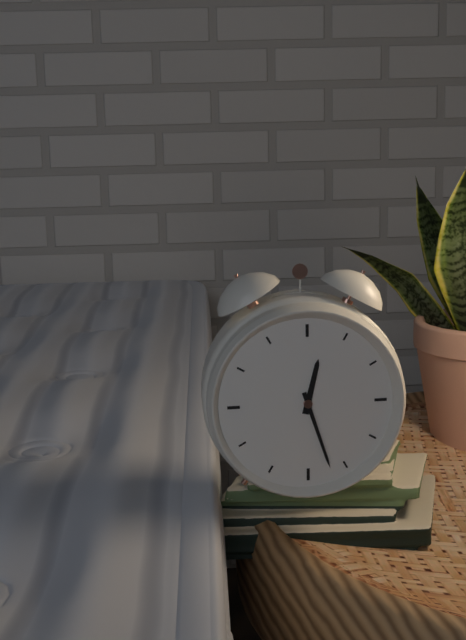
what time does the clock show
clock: 12:27
